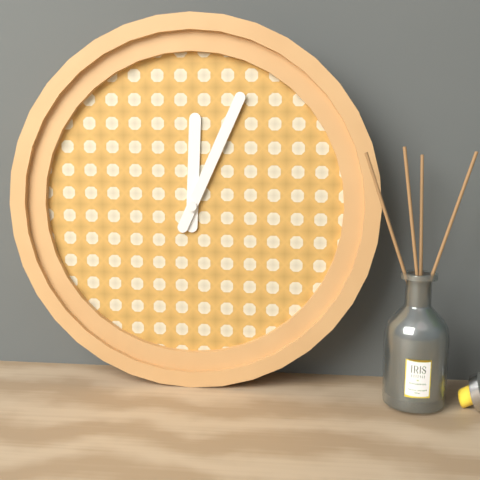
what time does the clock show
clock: 12:04
